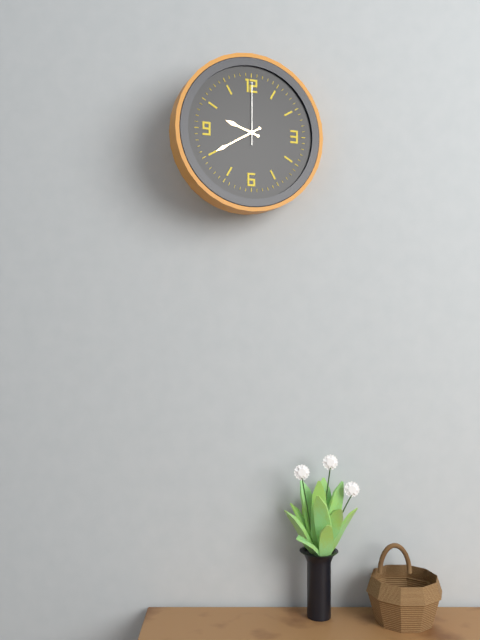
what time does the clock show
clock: 9:40:00
